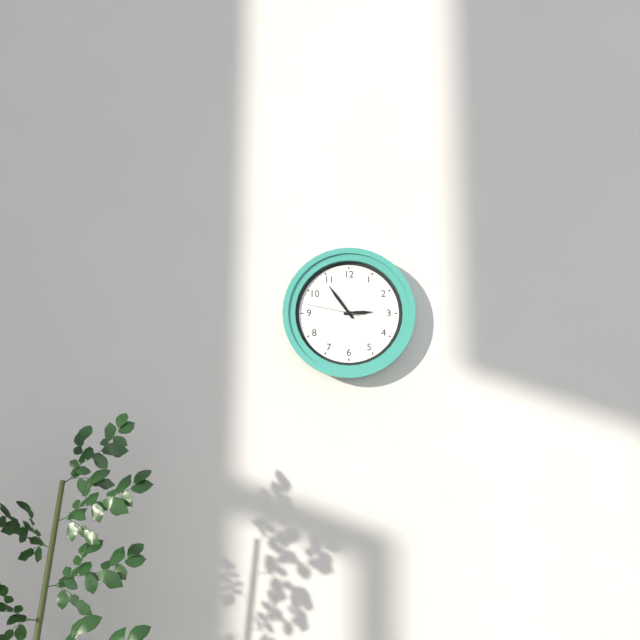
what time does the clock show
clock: 2:54:47
